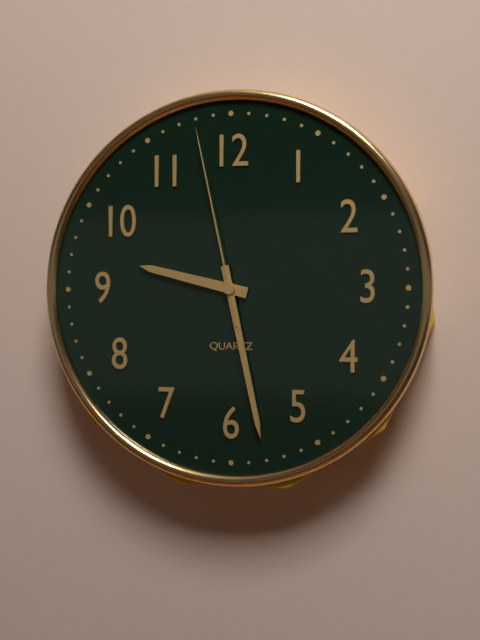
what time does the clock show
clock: 9:28:58
